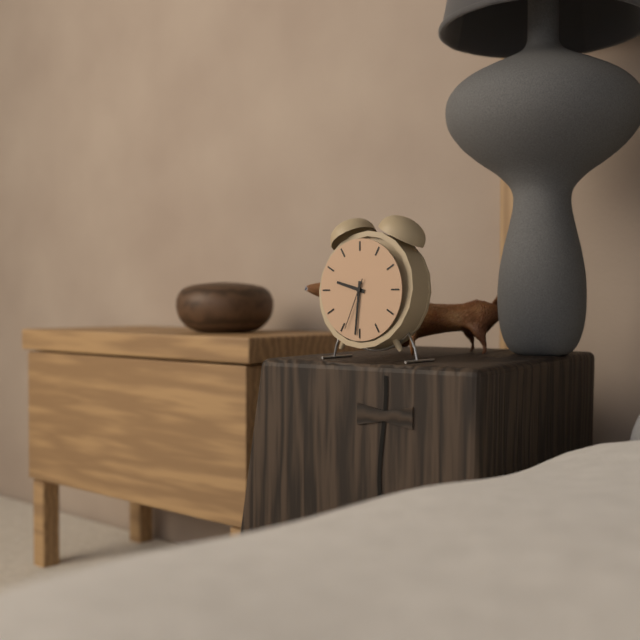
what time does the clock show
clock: 9:31:34
